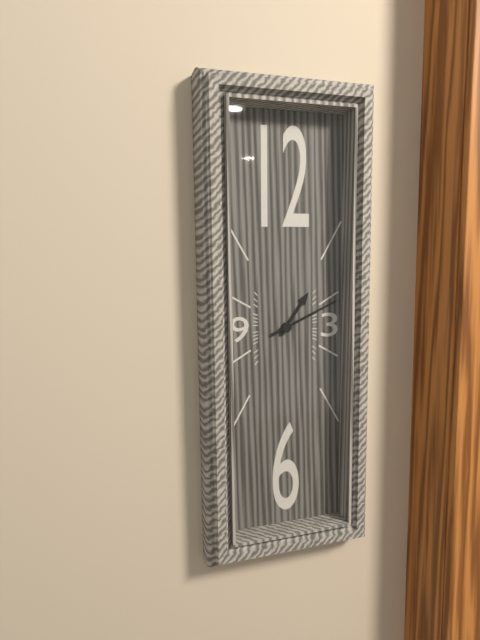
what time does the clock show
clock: 1:11
